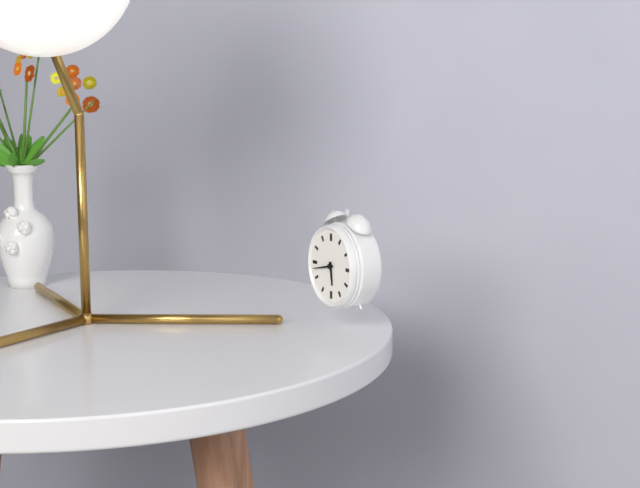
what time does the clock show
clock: 5:43
